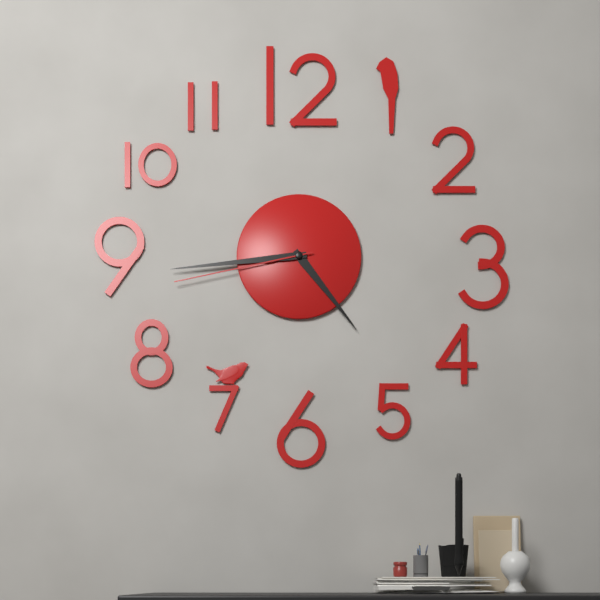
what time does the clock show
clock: 4:44:43
